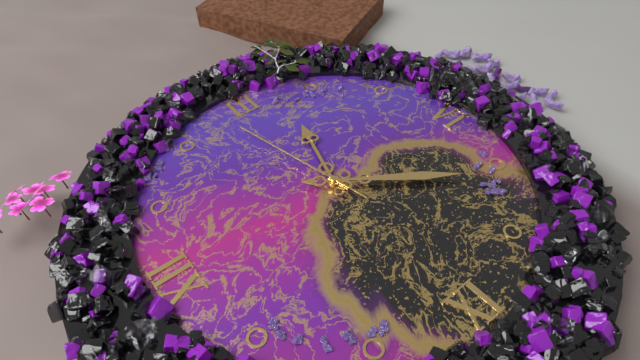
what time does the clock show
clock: 3:36:13
